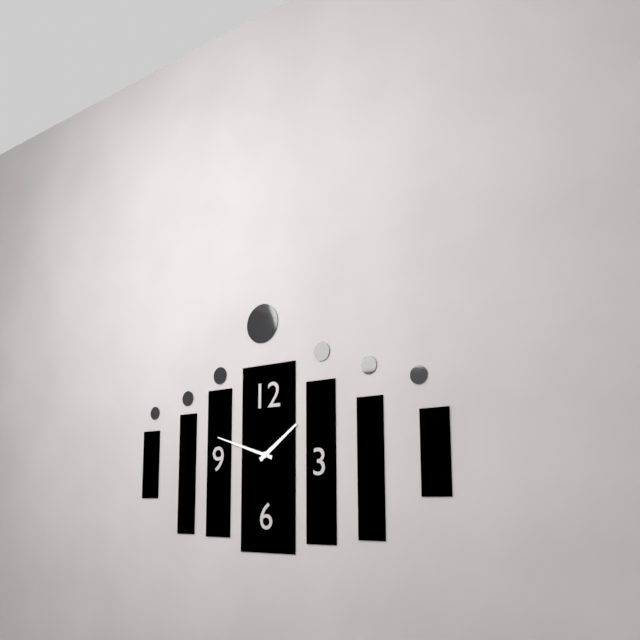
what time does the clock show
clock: 1:48
